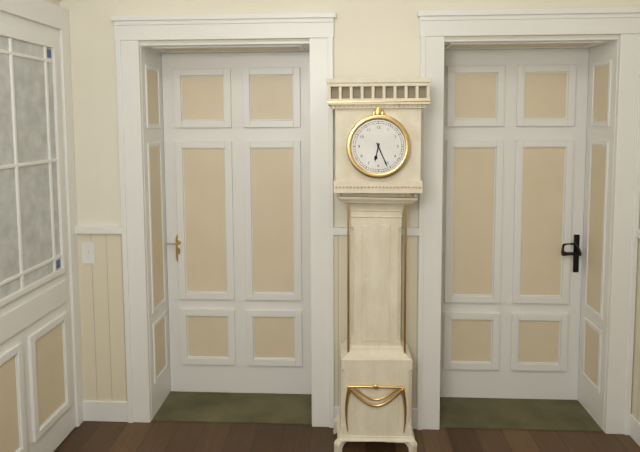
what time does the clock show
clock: 6:26
